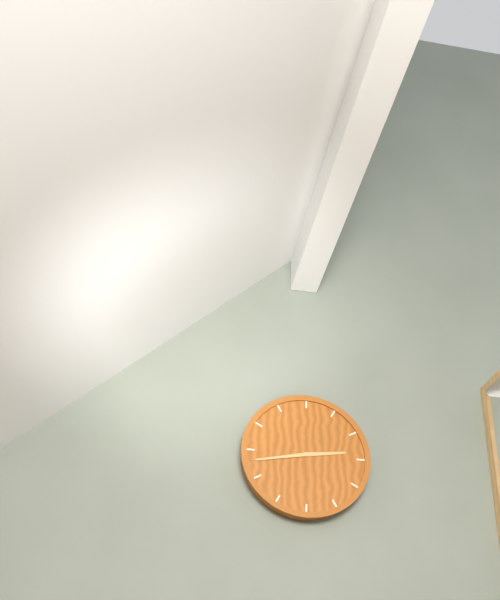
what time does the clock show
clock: 2:43
